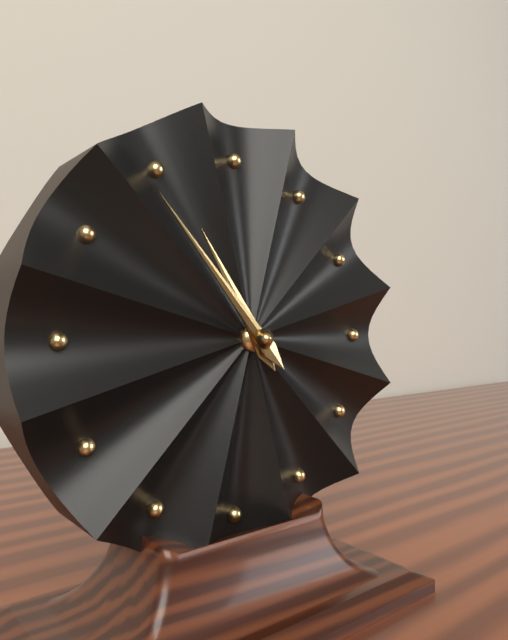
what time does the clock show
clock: 10:53
